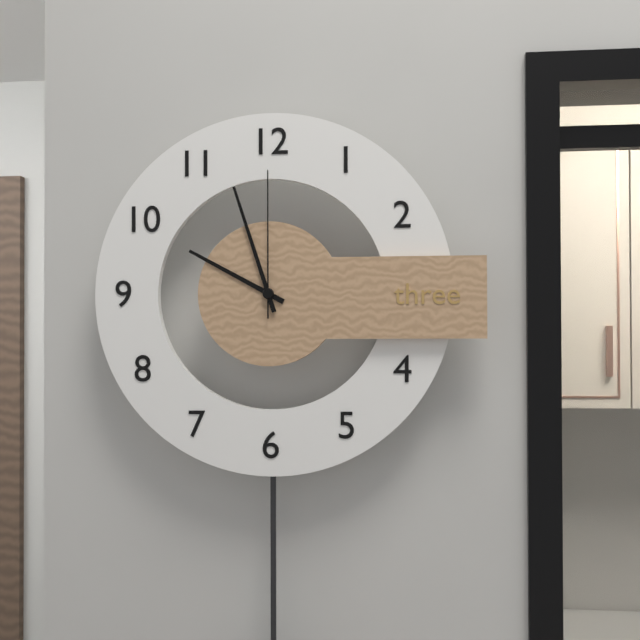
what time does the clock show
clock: 9:57:00
